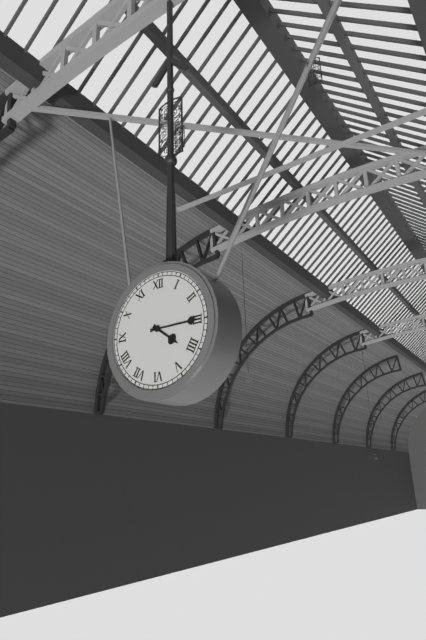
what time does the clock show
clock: 4:15
